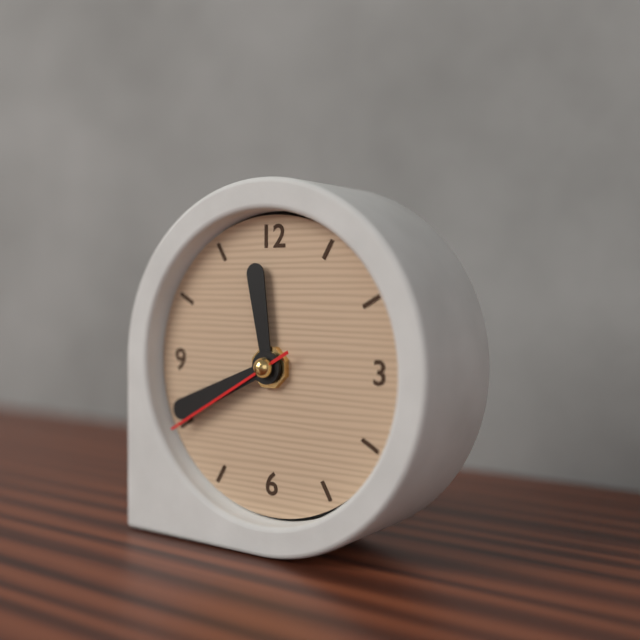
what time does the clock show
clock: 11:41:40
